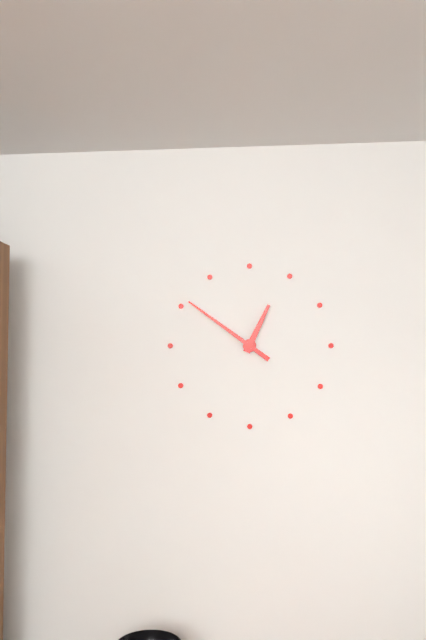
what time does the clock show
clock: 12:51
